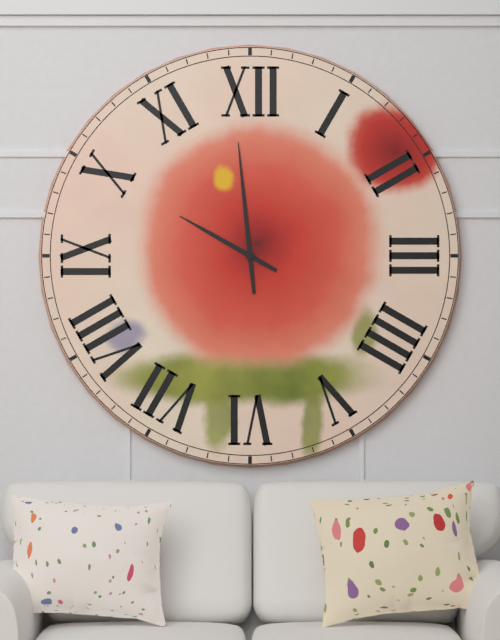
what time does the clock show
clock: 9:59
